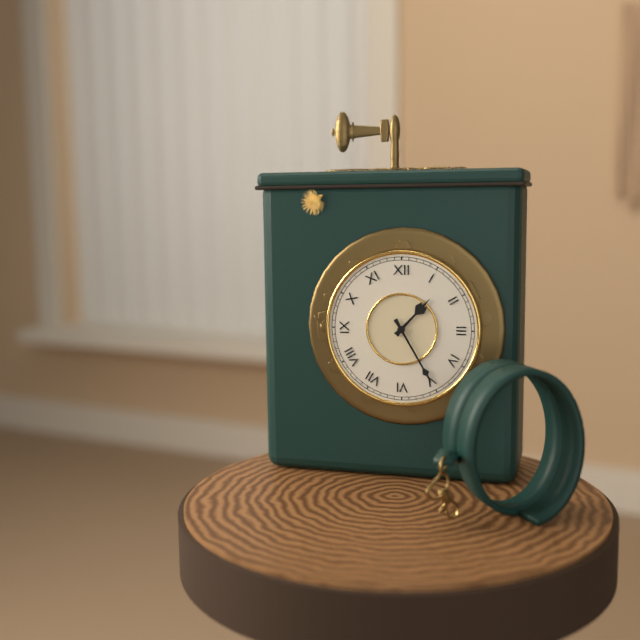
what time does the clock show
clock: 1:25
